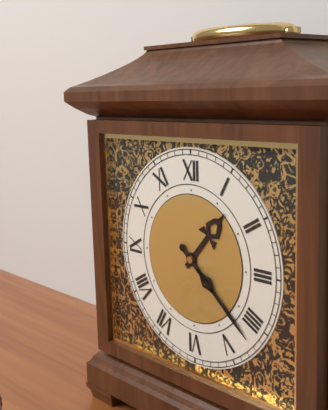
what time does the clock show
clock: 1:22
